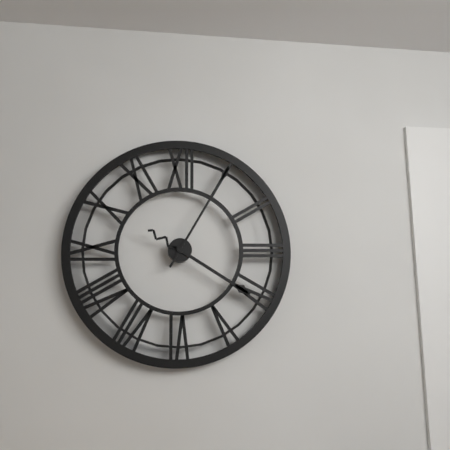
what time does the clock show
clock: 4:05
